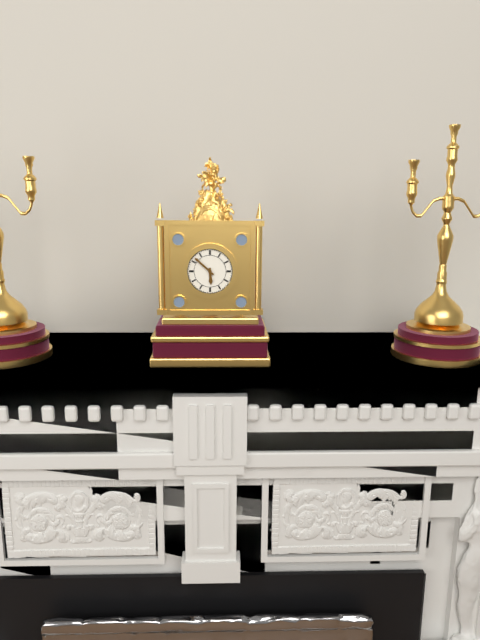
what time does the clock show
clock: 5:52
